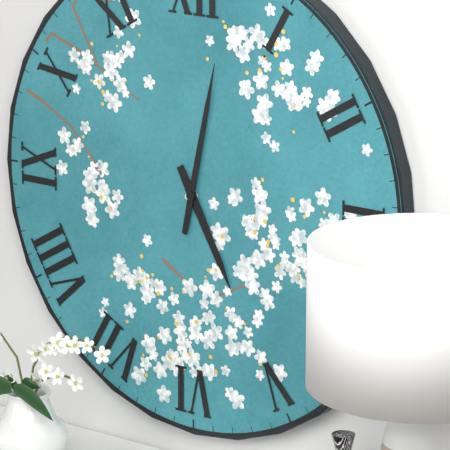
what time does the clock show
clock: 5:02
